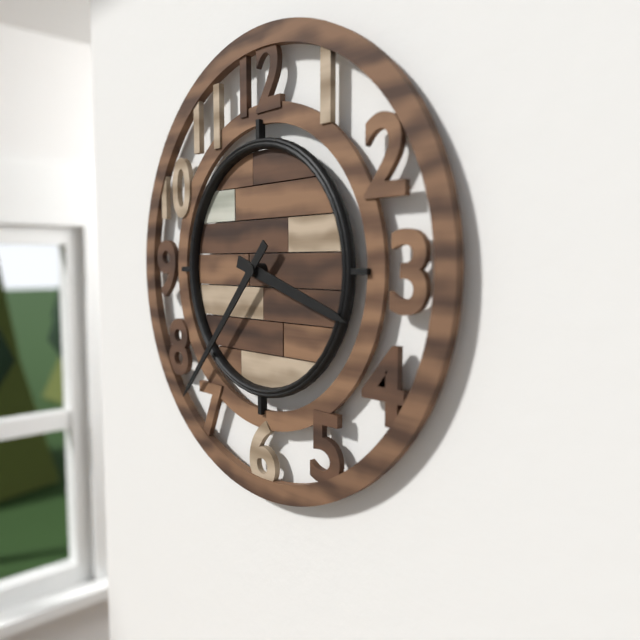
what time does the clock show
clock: 3:37
